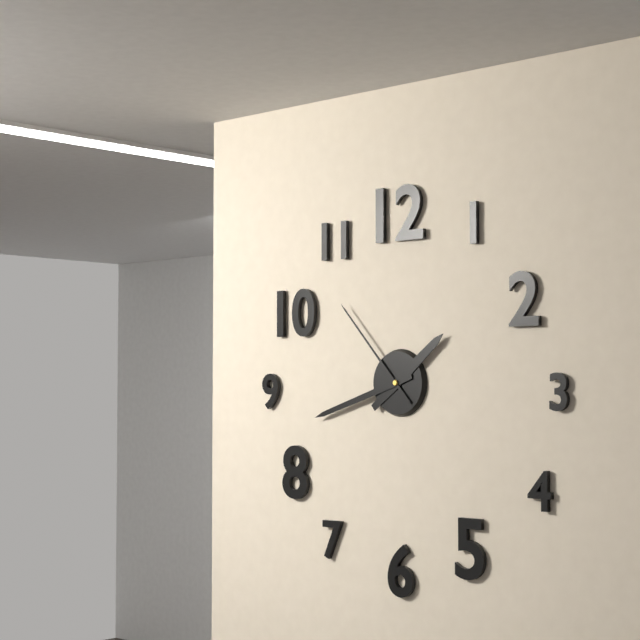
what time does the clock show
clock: 1:42:53
